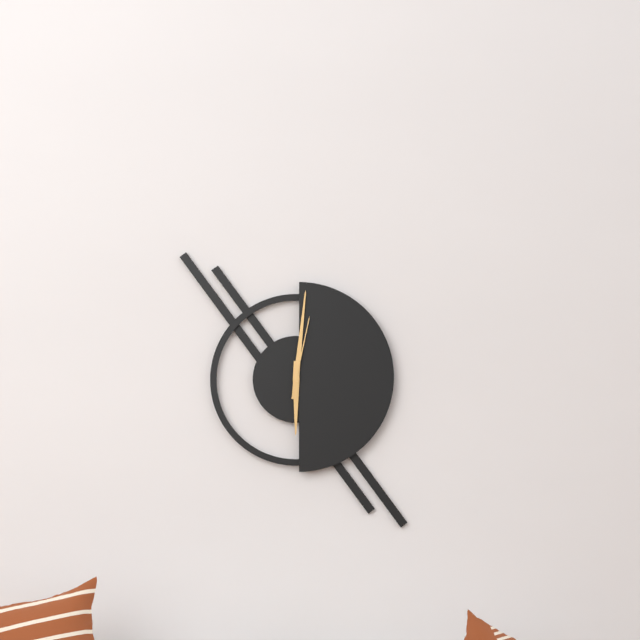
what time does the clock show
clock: 6:01:02
